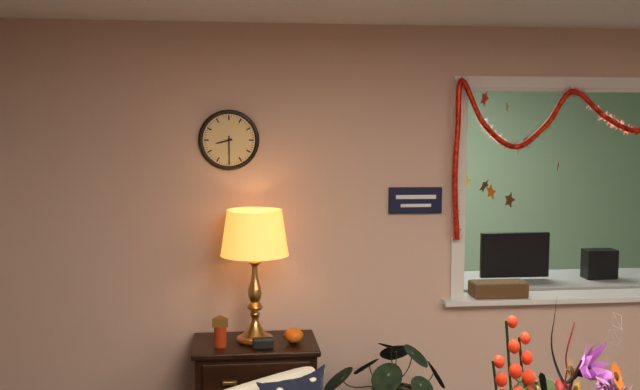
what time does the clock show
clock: 8:30
